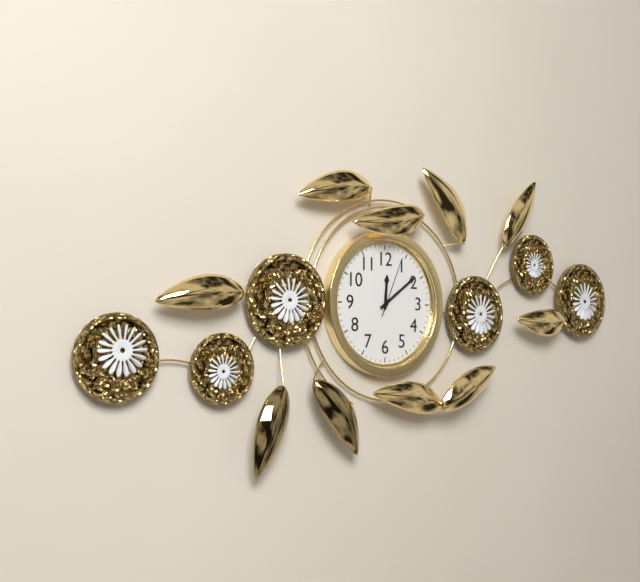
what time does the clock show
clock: 12:09:04
